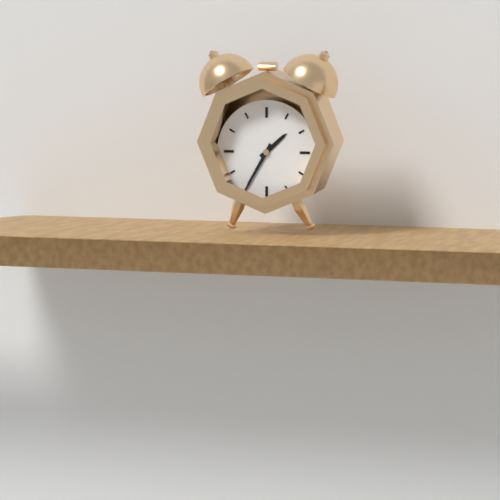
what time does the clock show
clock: 1:35
